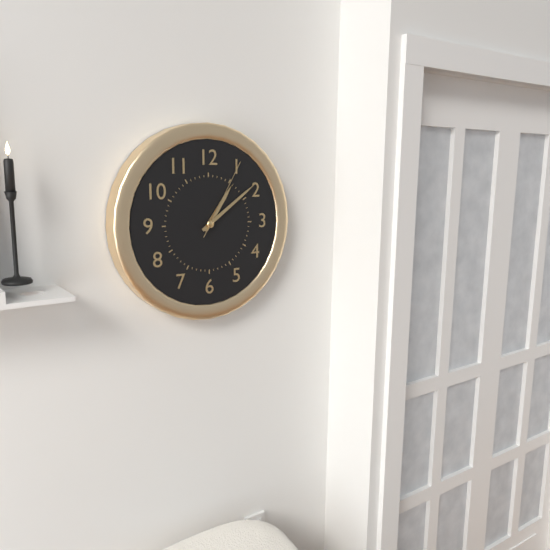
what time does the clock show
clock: 1:09:05
